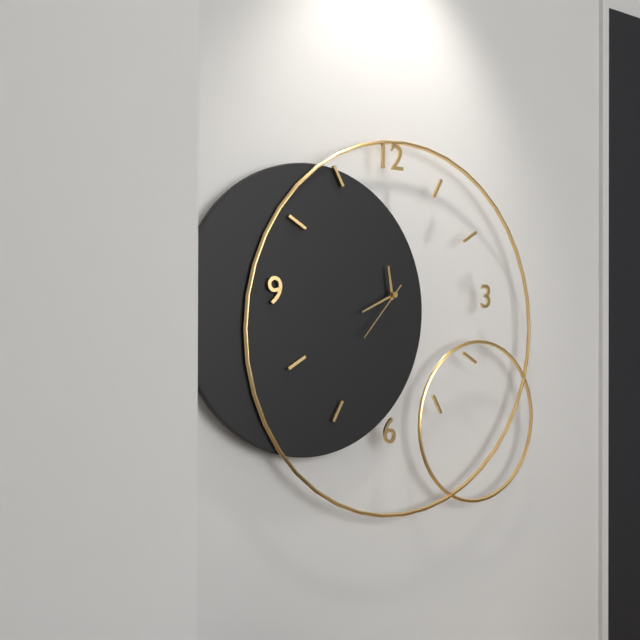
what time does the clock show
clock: 11:41:37
